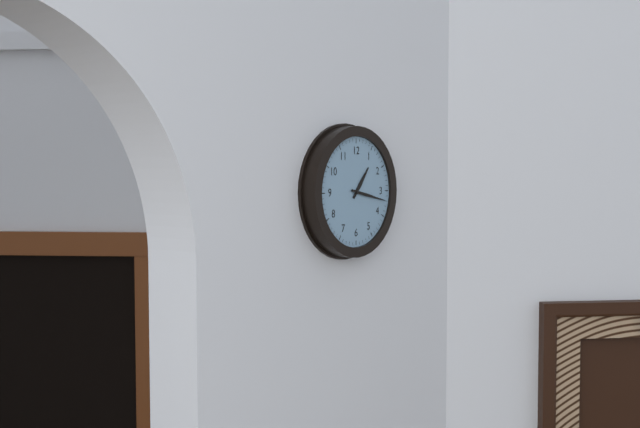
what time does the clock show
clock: 1:17
